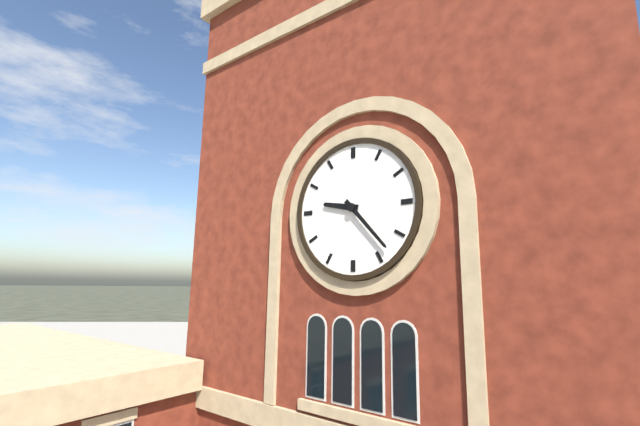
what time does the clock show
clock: 9:23
